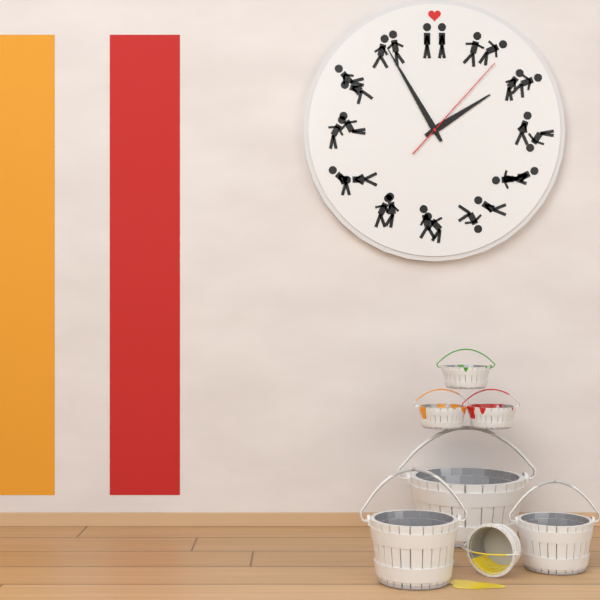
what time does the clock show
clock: 1:55:07
